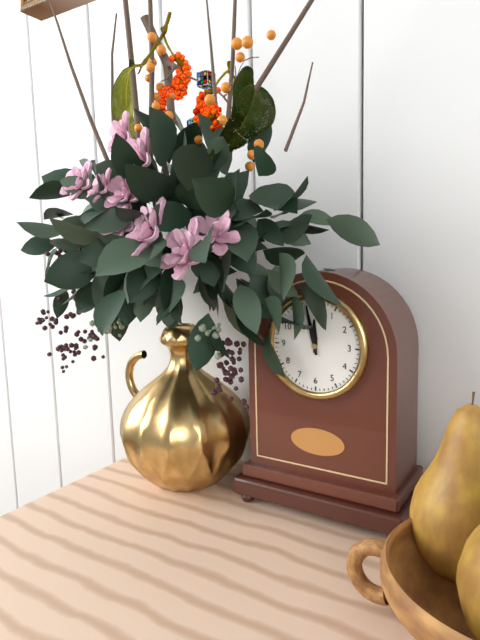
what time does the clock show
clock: 11:58
